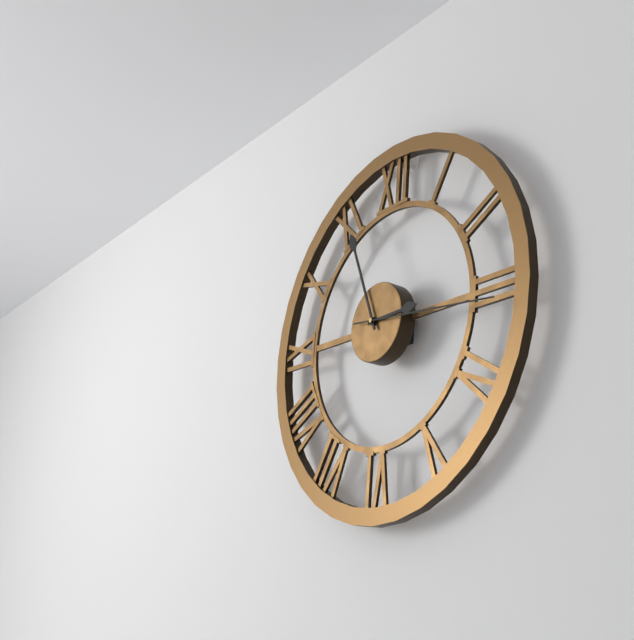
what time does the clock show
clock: 2:56:16
